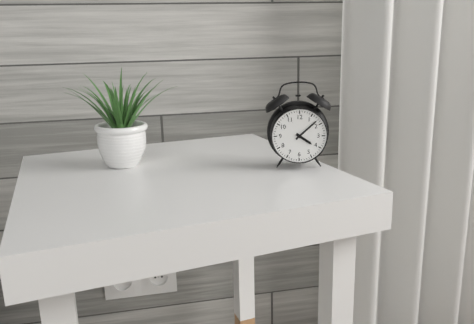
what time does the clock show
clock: 4:08
